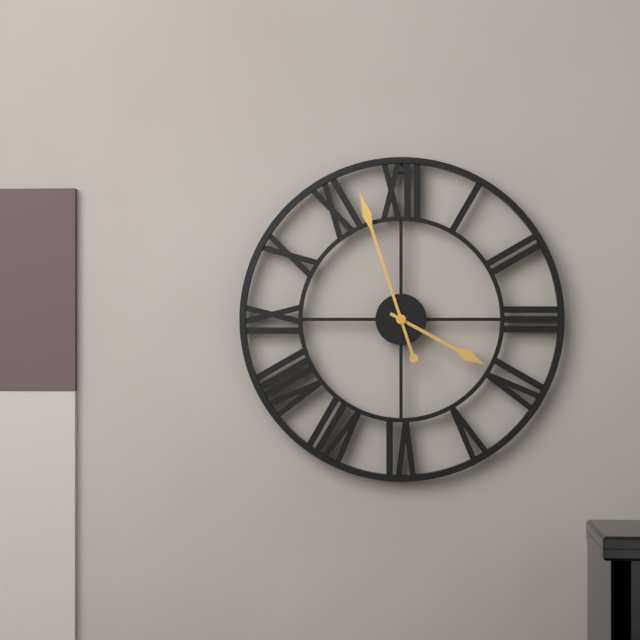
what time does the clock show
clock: 3:57
